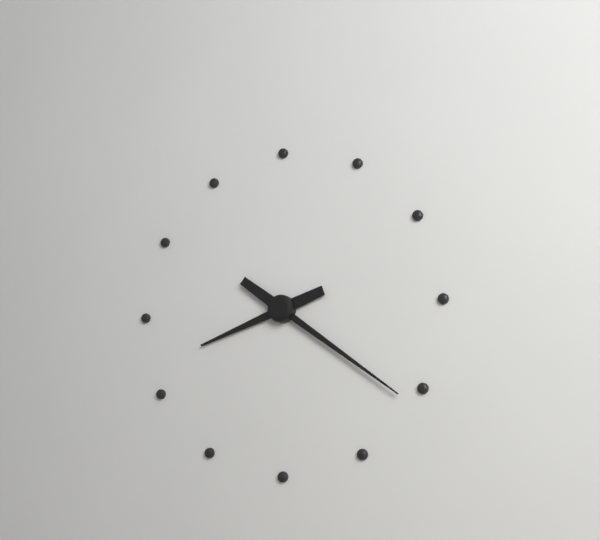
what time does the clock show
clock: 8:21
